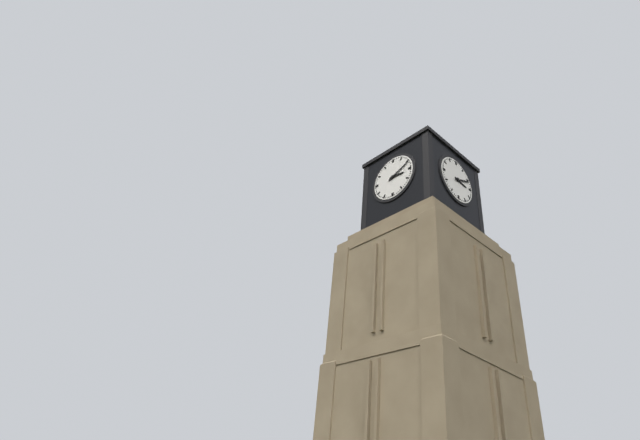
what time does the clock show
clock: 3:11
